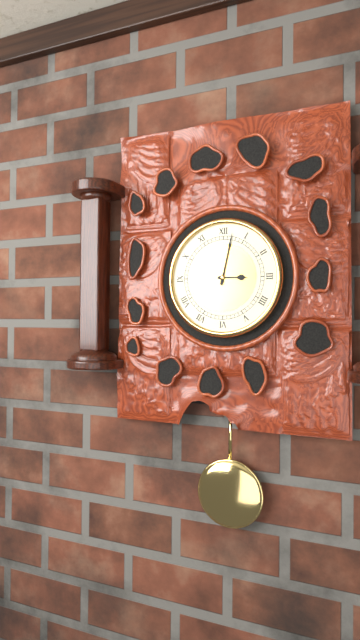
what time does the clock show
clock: 3:02
